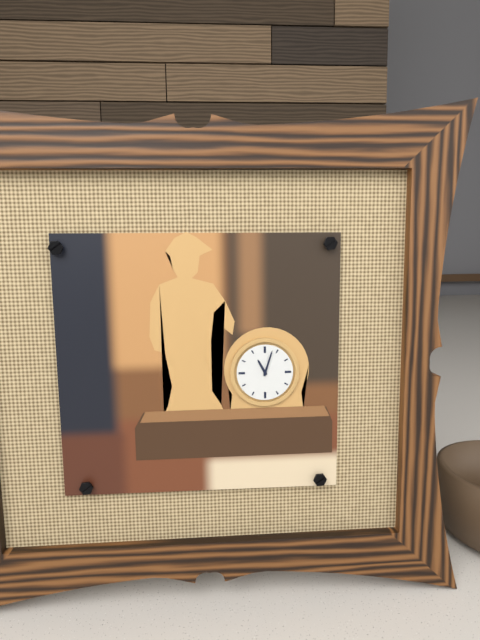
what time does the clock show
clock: 11:03
